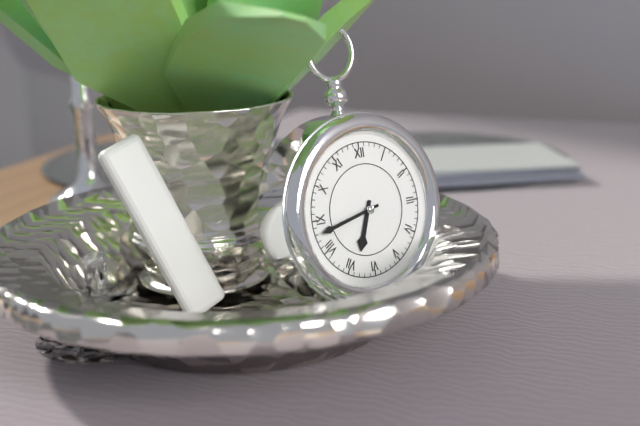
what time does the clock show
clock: 6:43
